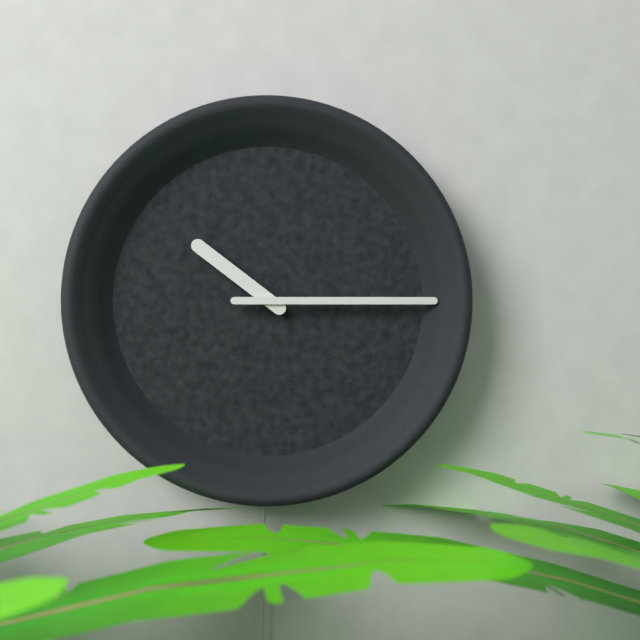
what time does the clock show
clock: 10:15
